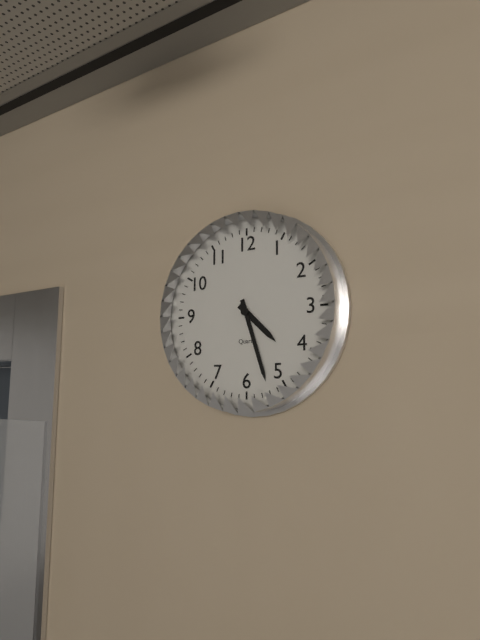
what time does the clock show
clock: 4:27
